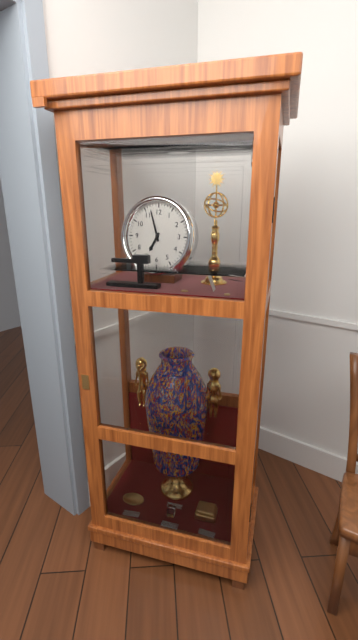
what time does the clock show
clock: 6:57
